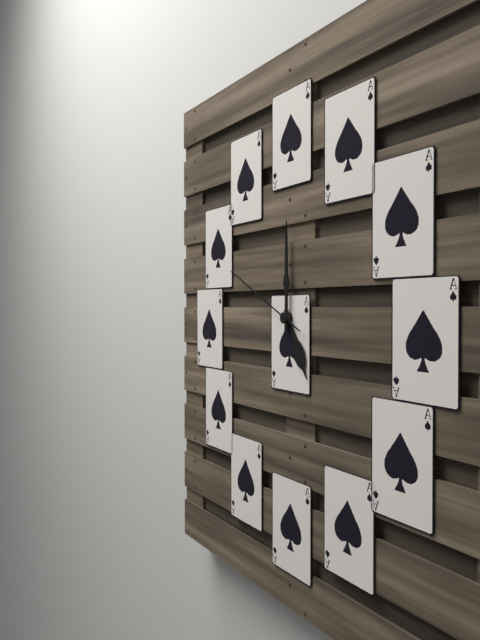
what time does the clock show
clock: 5:00:49
